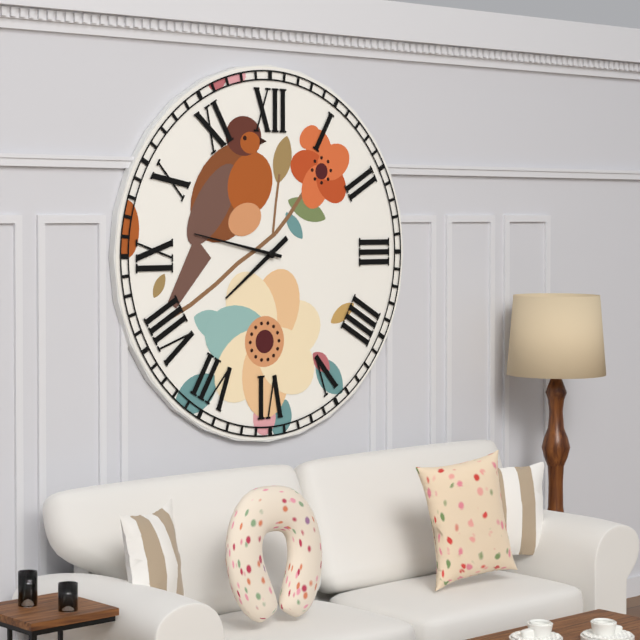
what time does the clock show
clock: 7:47
